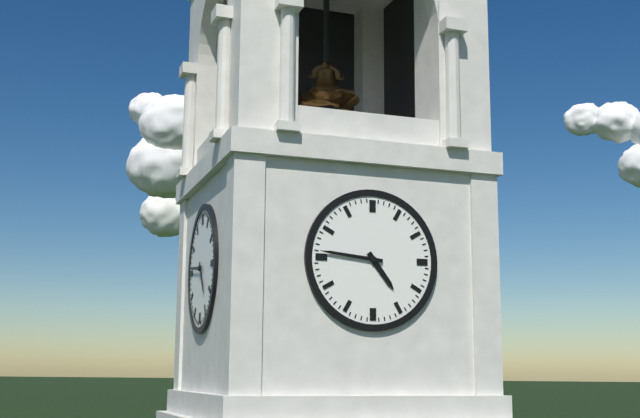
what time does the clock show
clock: 4:46
